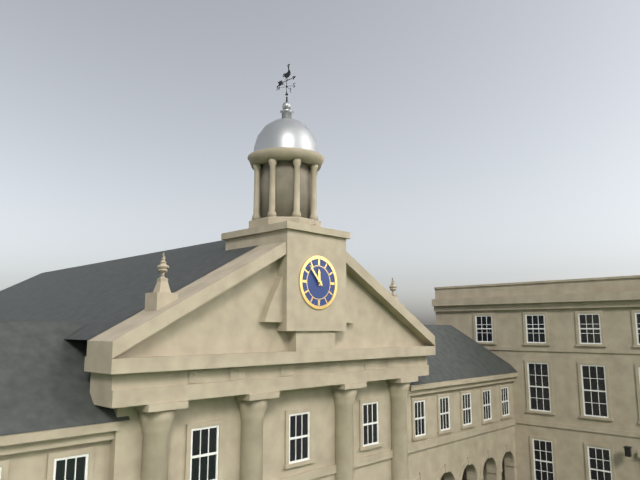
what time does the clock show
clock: 11:53
